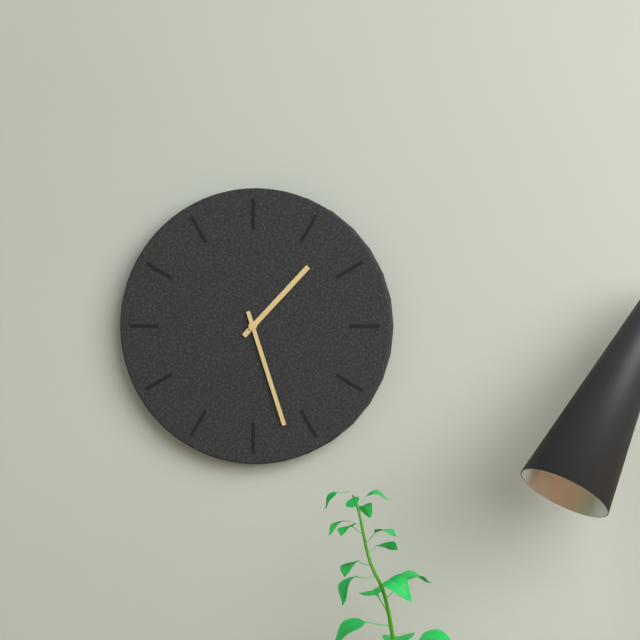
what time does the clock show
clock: 1:27
